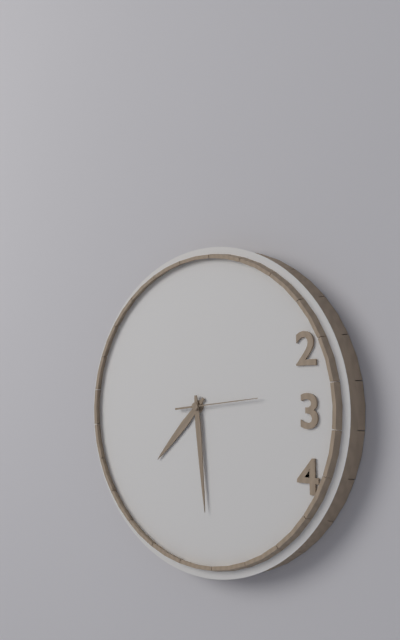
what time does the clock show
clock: 7:29:14
